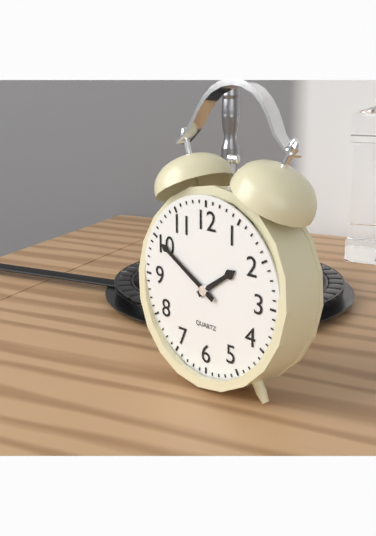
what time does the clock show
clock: 1:50
